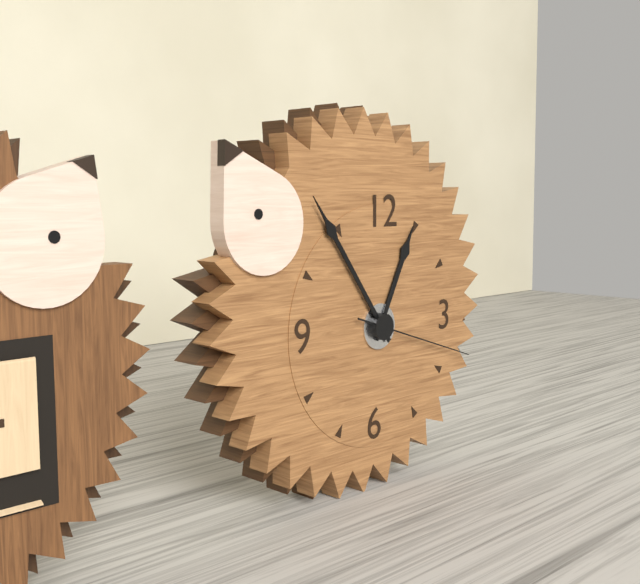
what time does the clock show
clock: 12:54:18
